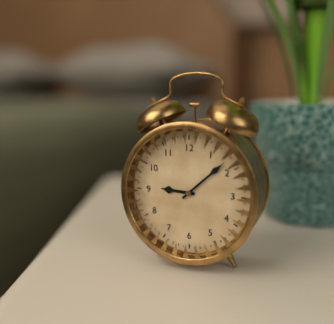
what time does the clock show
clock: 9:08
